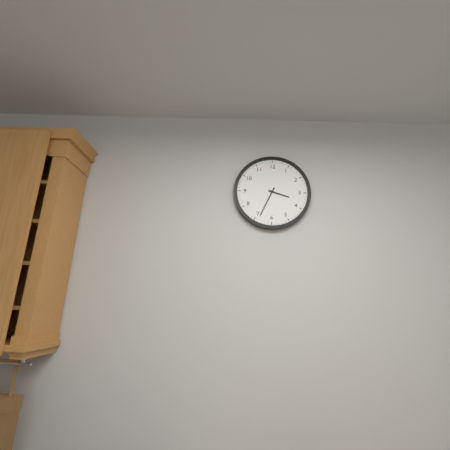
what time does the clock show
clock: 3:34
